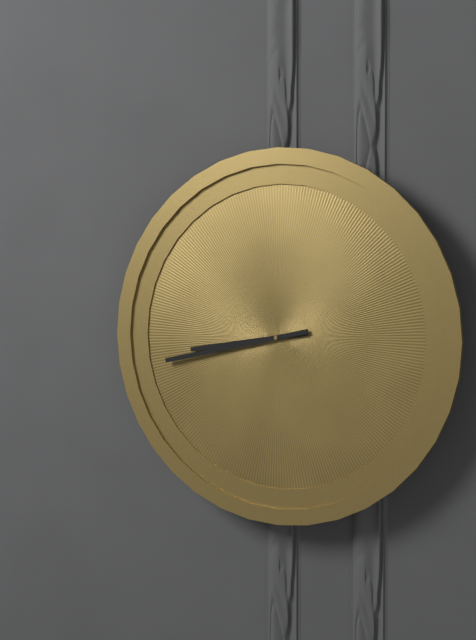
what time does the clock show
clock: 8:43
